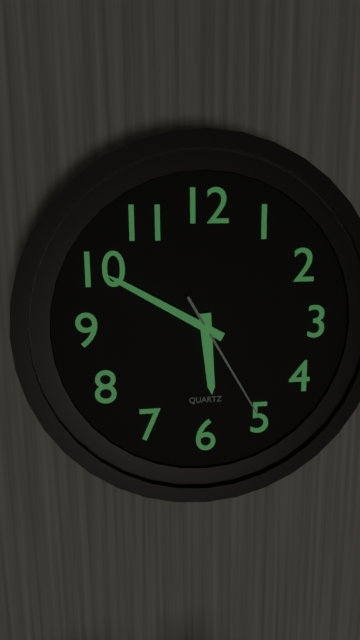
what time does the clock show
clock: 5:50:25
